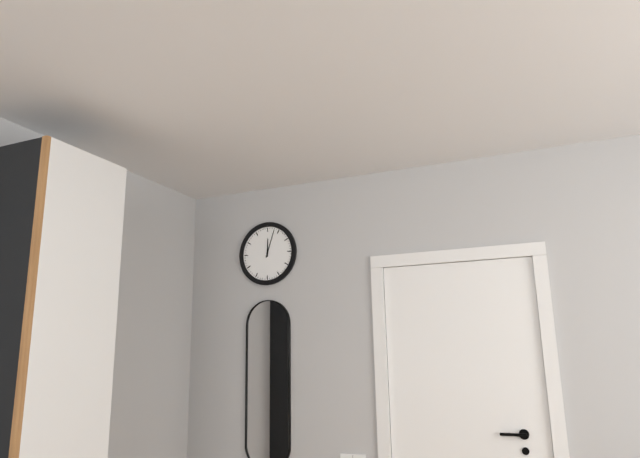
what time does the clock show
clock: 12:03
